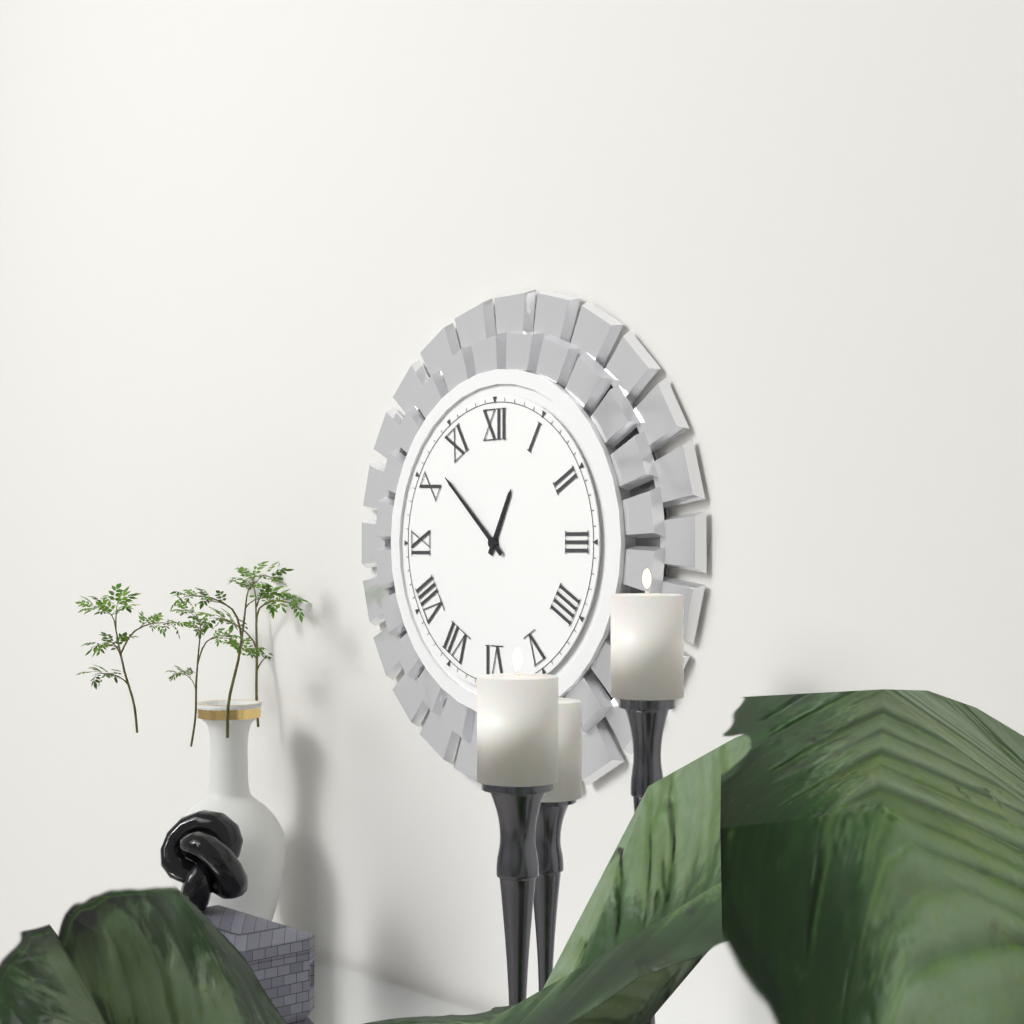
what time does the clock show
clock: 12:52
